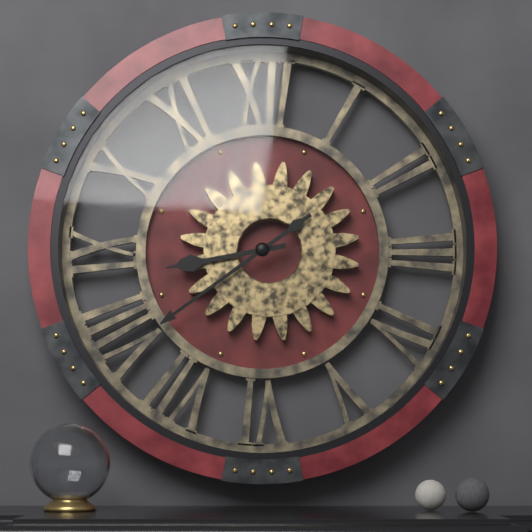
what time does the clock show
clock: 8:39
